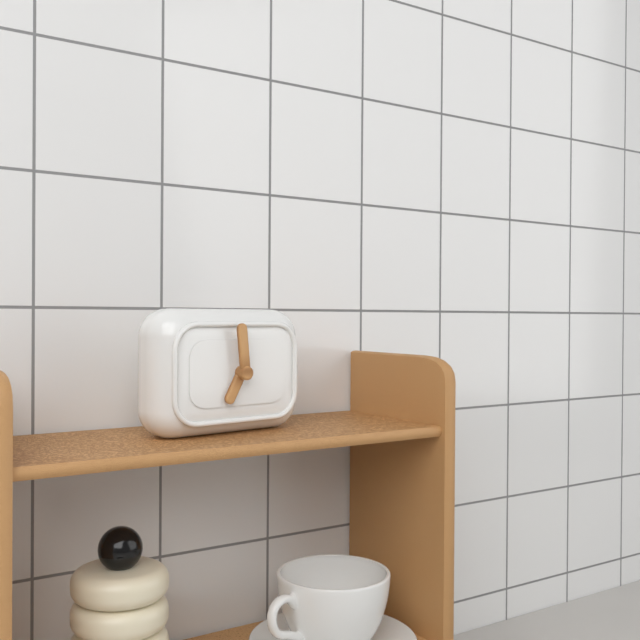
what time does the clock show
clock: 6:59
